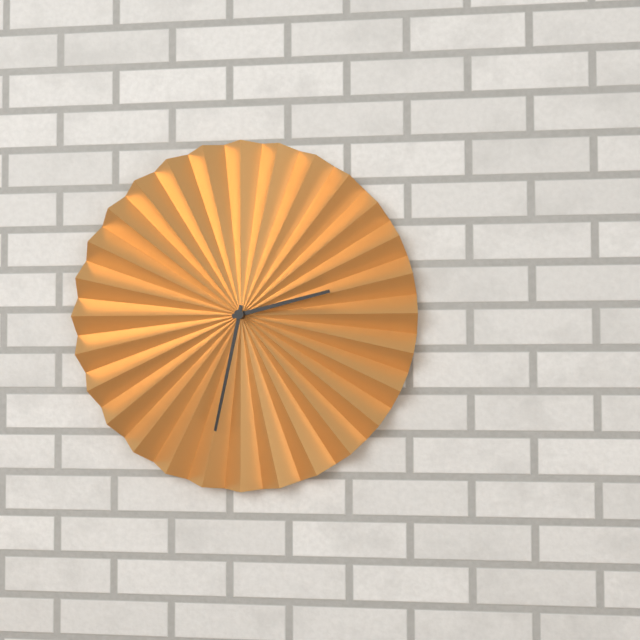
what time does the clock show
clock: 2:32
